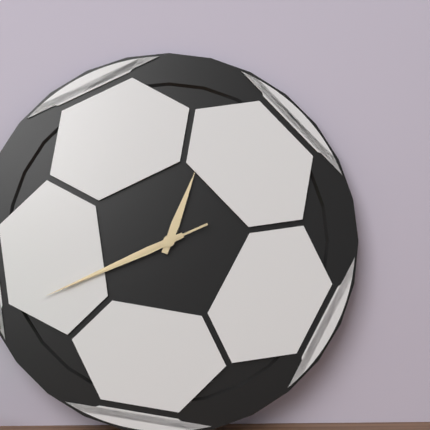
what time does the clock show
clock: 12:41:41
